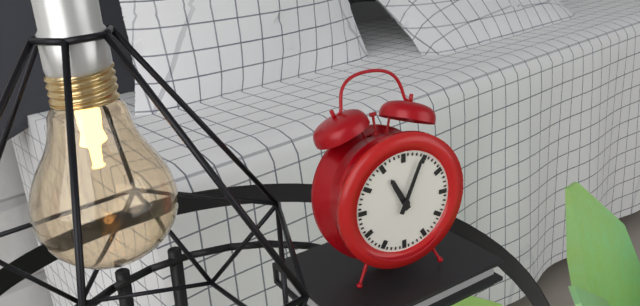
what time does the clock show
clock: 11:04
